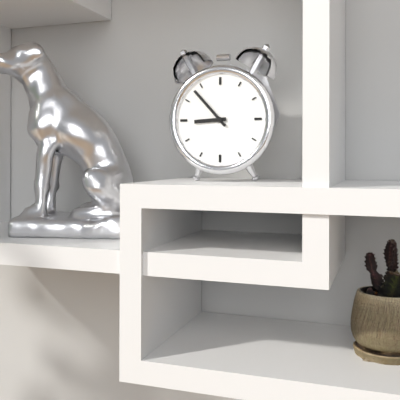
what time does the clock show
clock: 8:53
